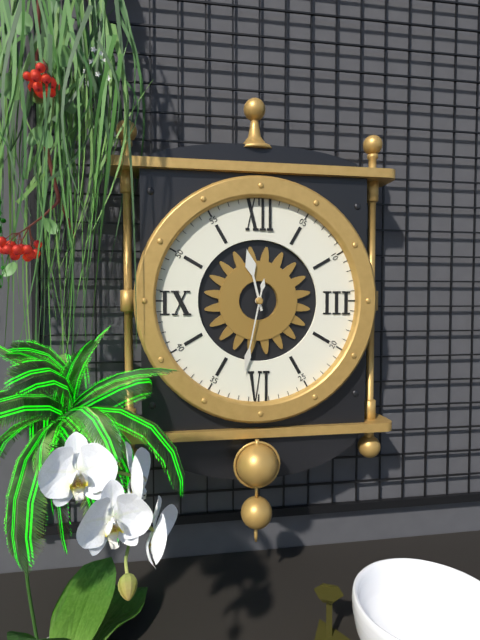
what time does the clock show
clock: 11:32
